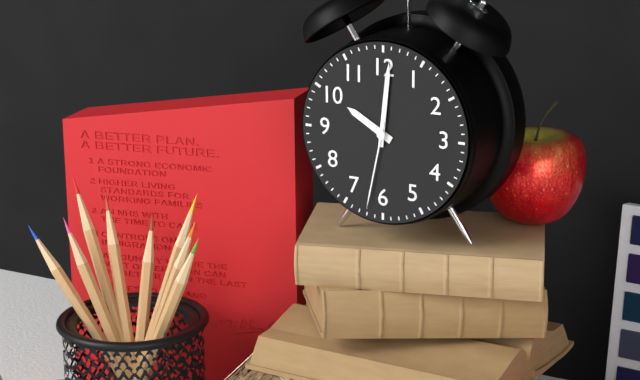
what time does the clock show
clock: 10:01:32
